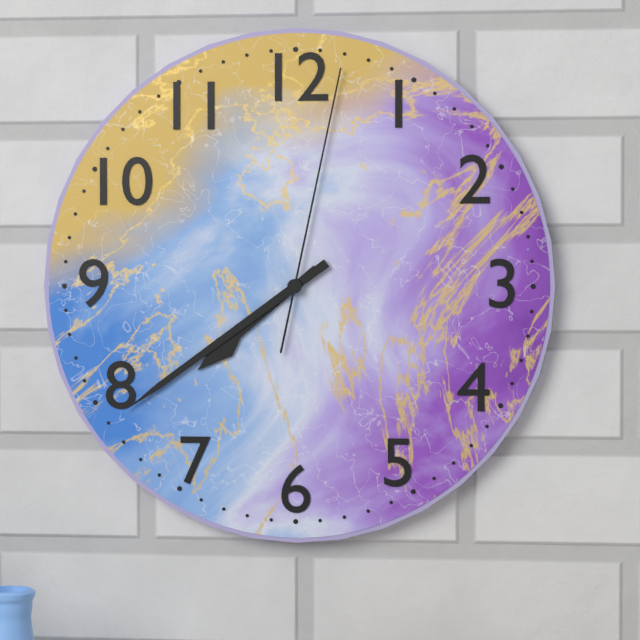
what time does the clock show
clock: 7:39:02
